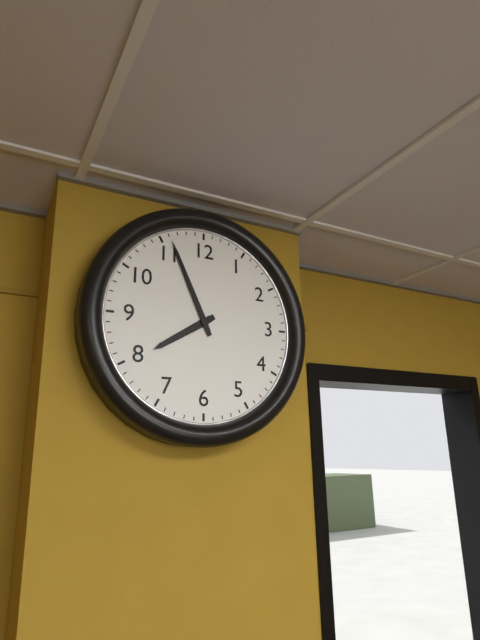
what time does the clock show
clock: 7:56
